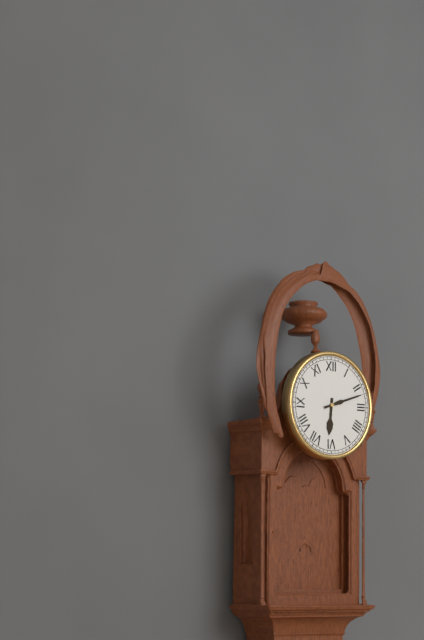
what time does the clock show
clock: 6:12
